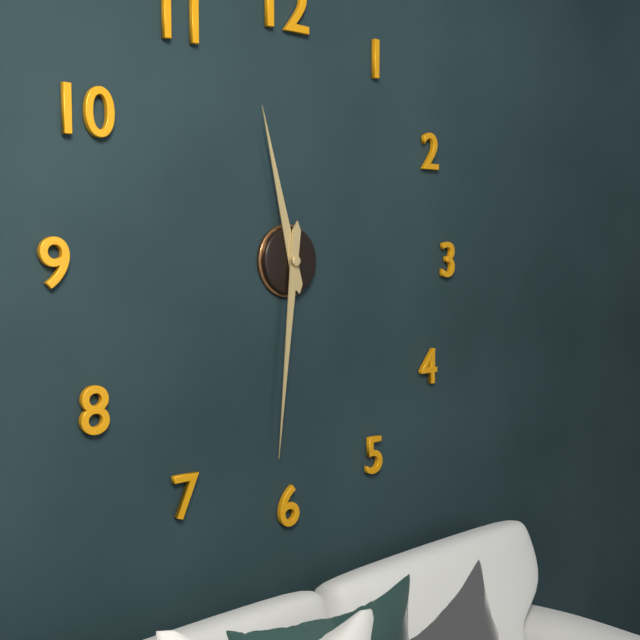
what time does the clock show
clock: 11:31
